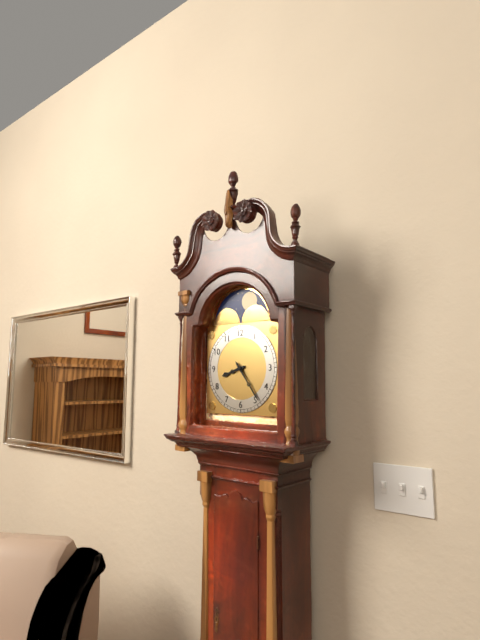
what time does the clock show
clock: 8:24
